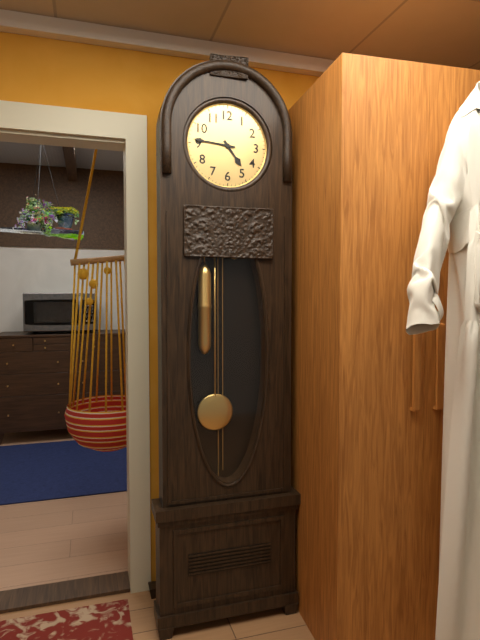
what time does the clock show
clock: 4:46
